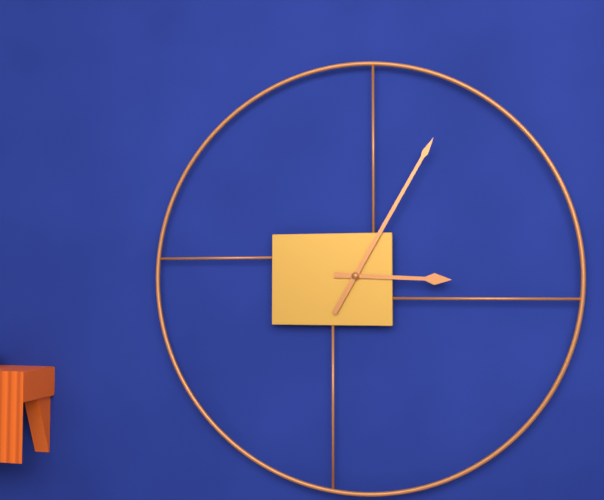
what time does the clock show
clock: 3:05
